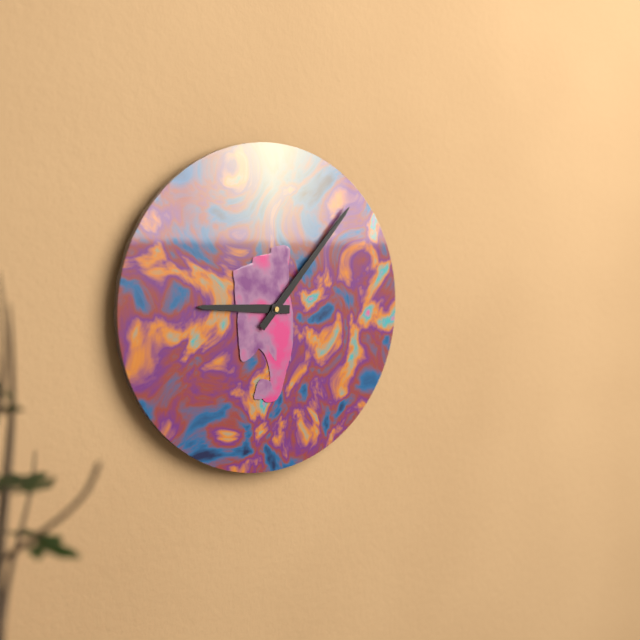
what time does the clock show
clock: 9:07
